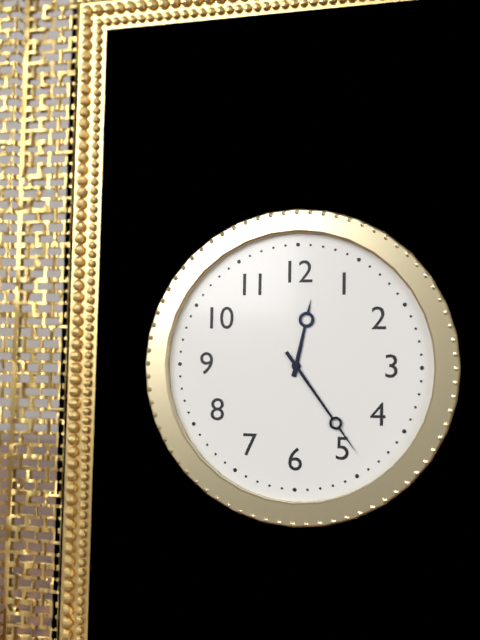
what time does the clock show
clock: 12:24
